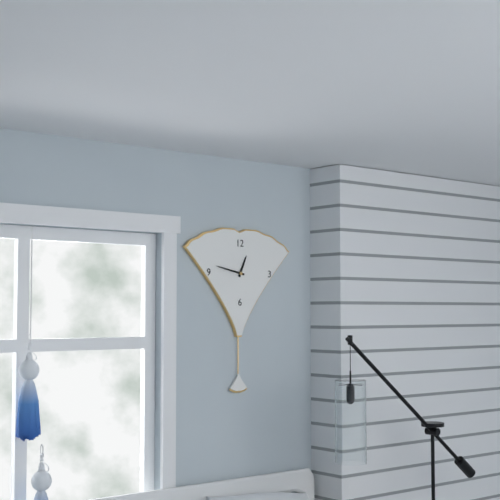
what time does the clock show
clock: 12:47
